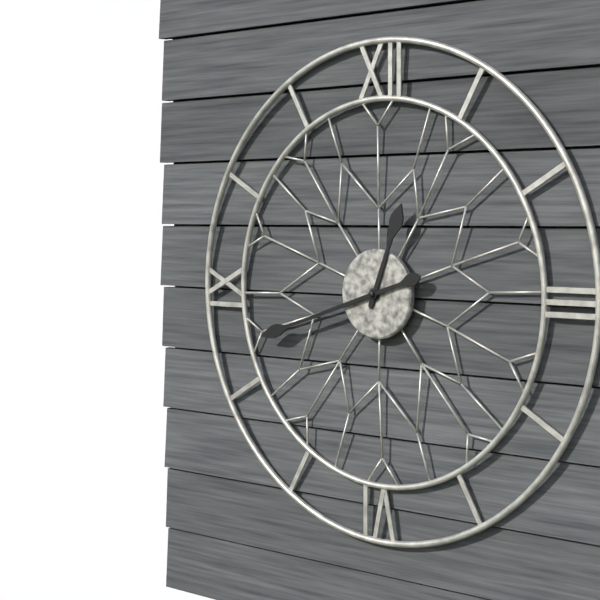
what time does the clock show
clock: 12:42
